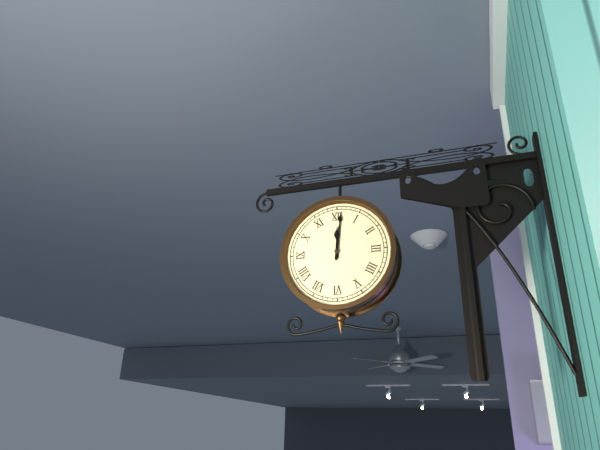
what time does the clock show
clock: 12:01
